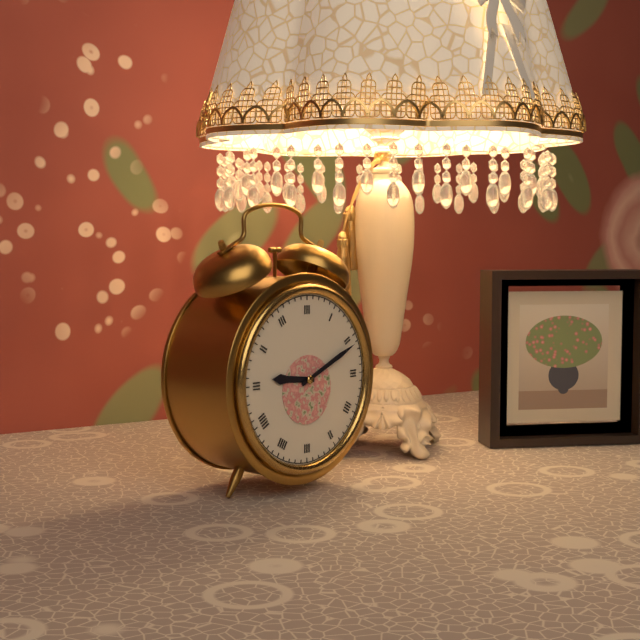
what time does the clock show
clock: 9:11
